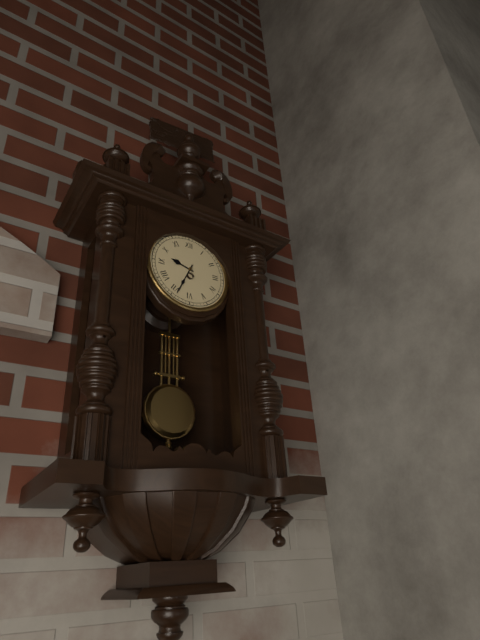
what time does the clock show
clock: 9:34
